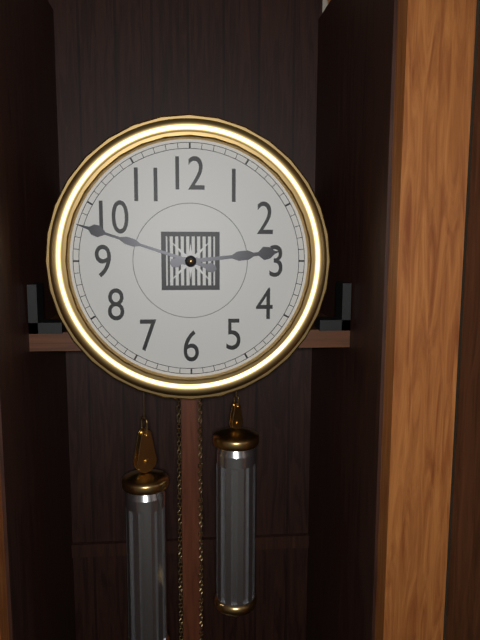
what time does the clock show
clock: 2:48
